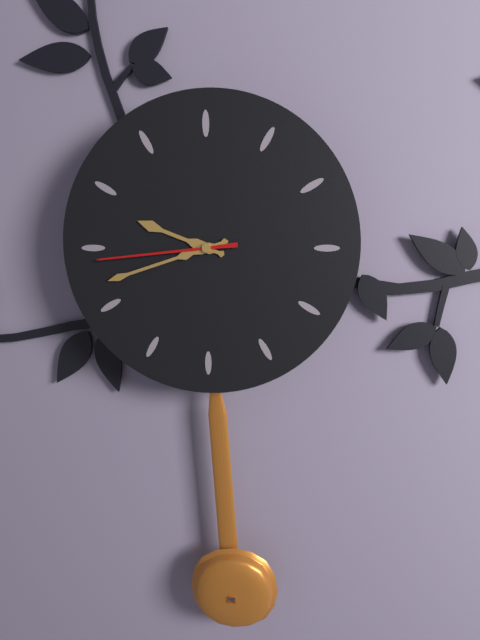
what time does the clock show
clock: 9:42:44
